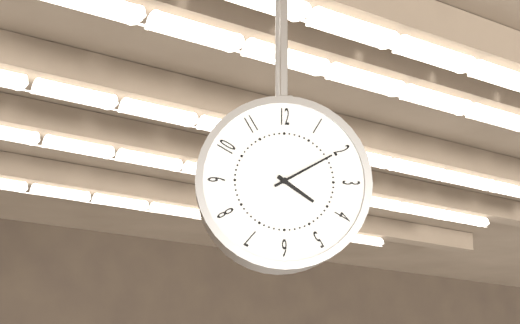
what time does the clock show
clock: 4:10
